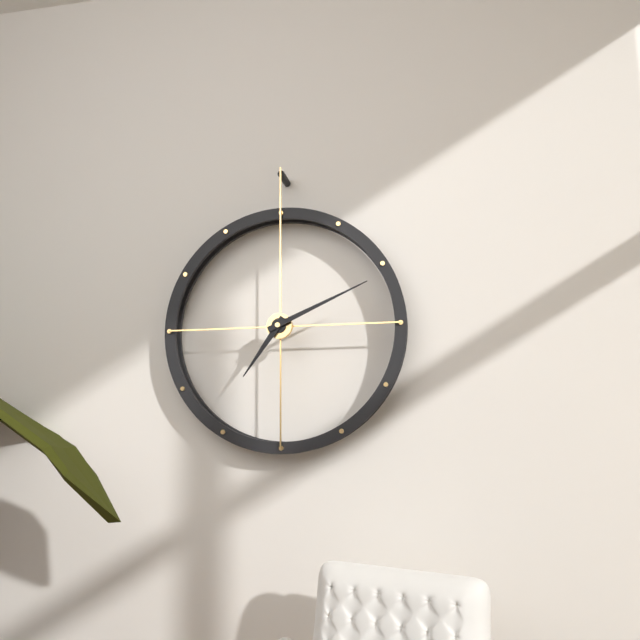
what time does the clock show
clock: 7:11
